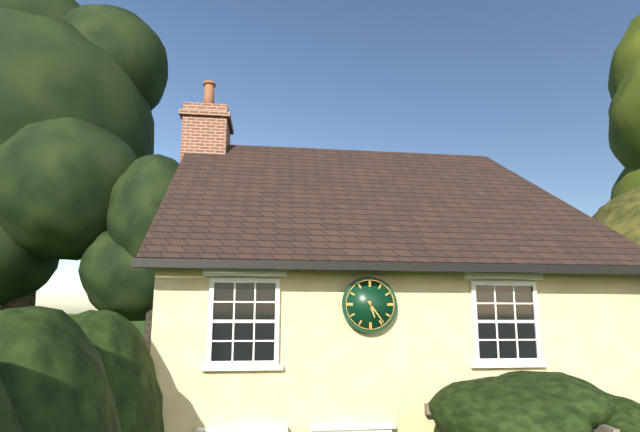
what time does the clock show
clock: 5:24
